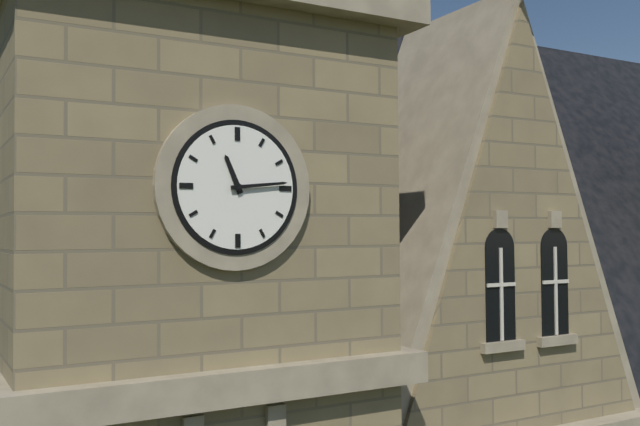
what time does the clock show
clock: 11:14
